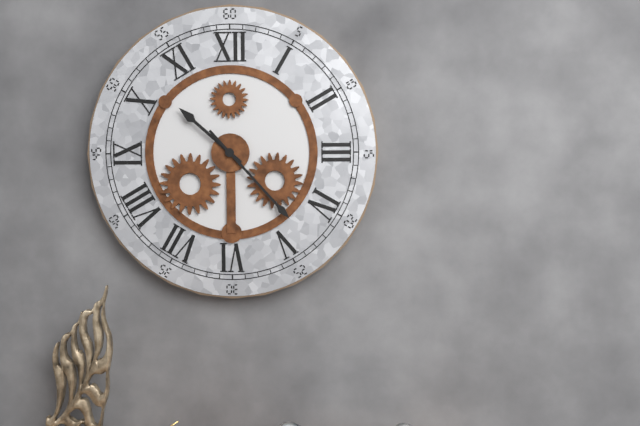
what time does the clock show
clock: 10:23
